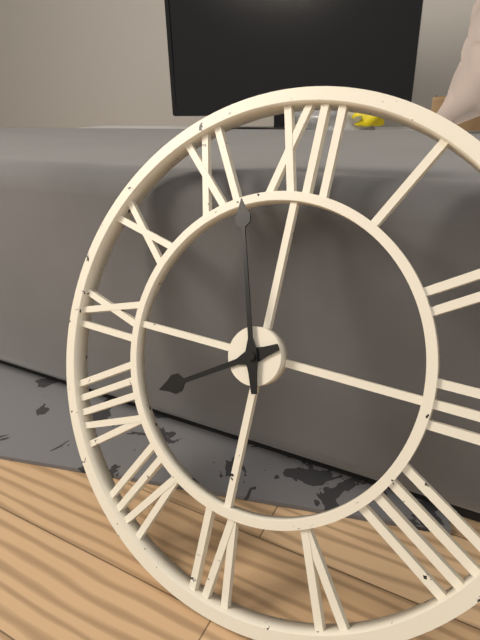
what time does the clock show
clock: 7:57
